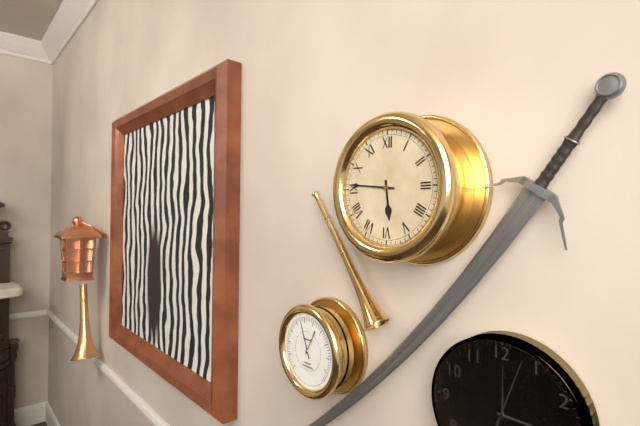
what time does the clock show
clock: 5:46
